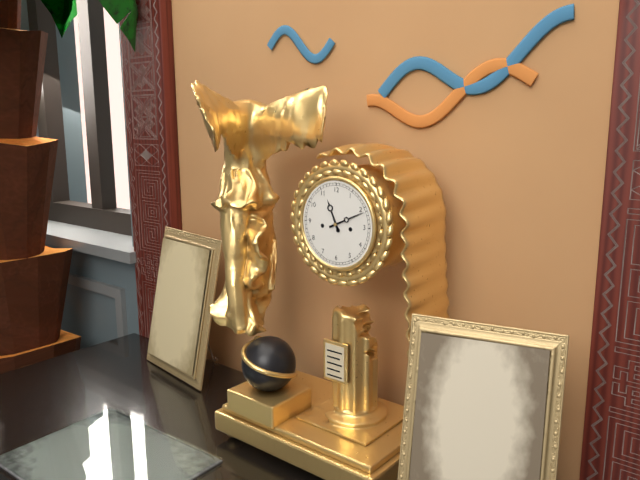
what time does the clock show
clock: 11:11
